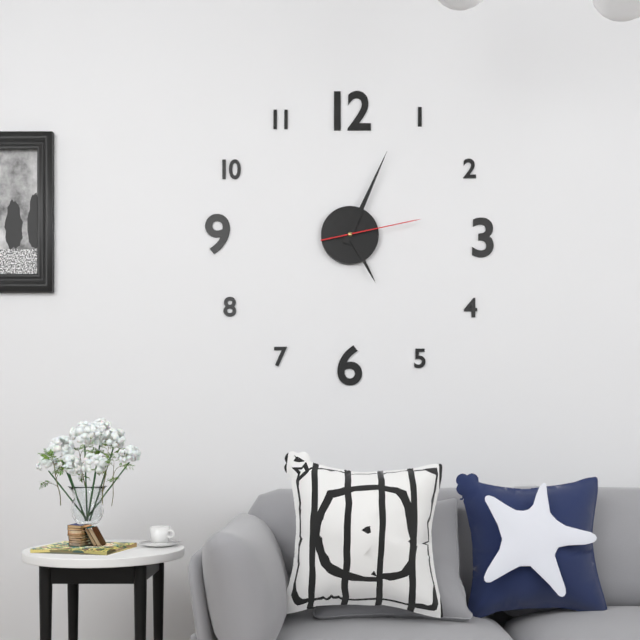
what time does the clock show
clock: 5:04:13
